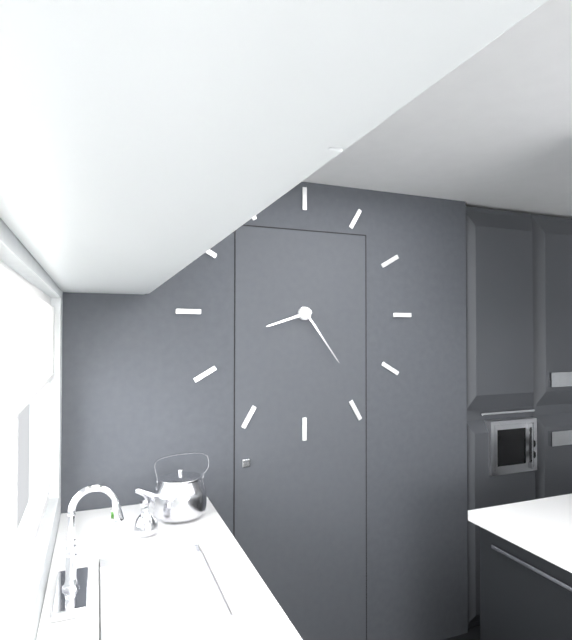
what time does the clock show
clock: 8:24
